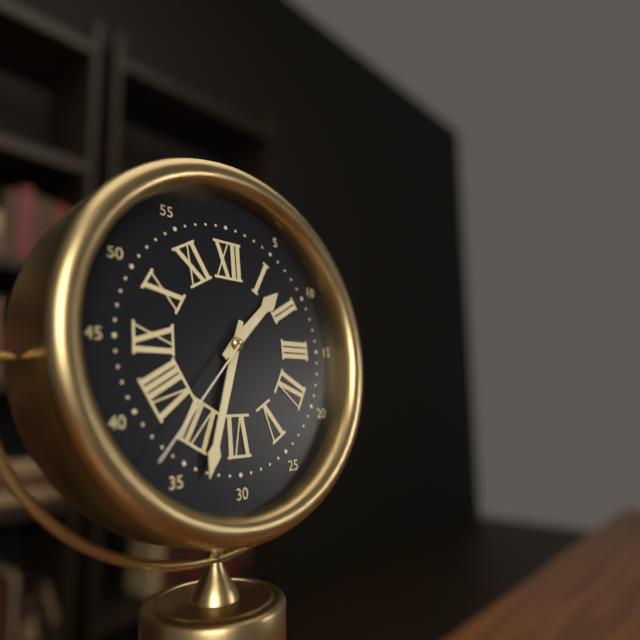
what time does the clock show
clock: 1:33:37
